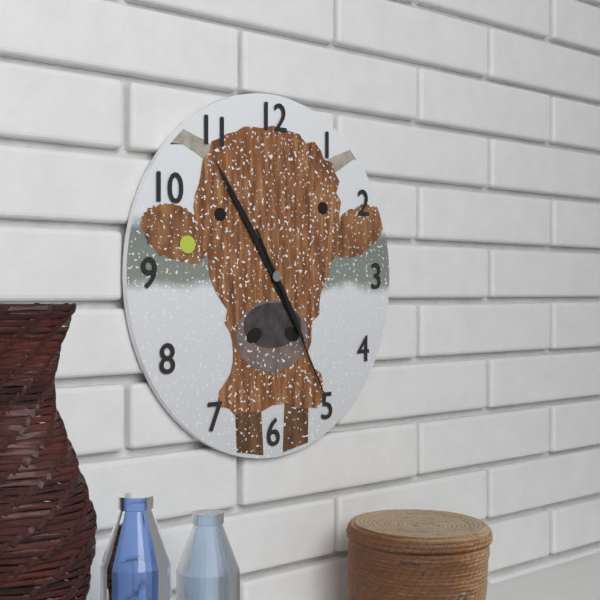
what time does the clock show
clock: 4:54:25
